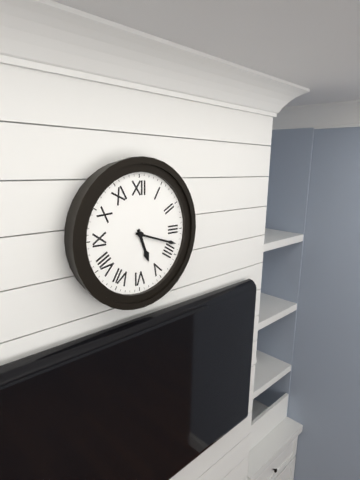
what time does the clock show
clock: 5:18
